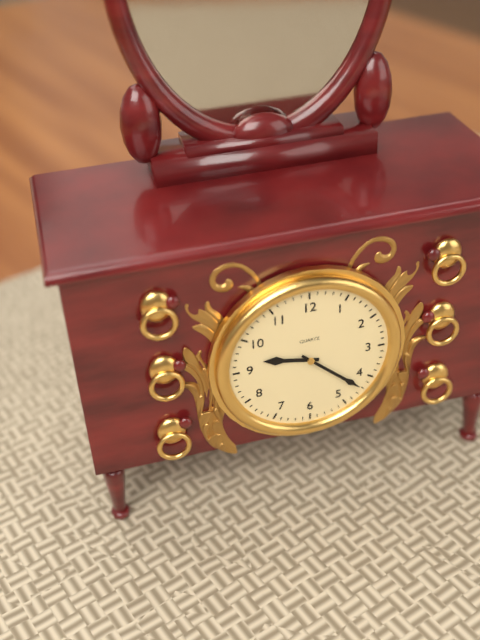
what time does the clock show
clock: 9:22
